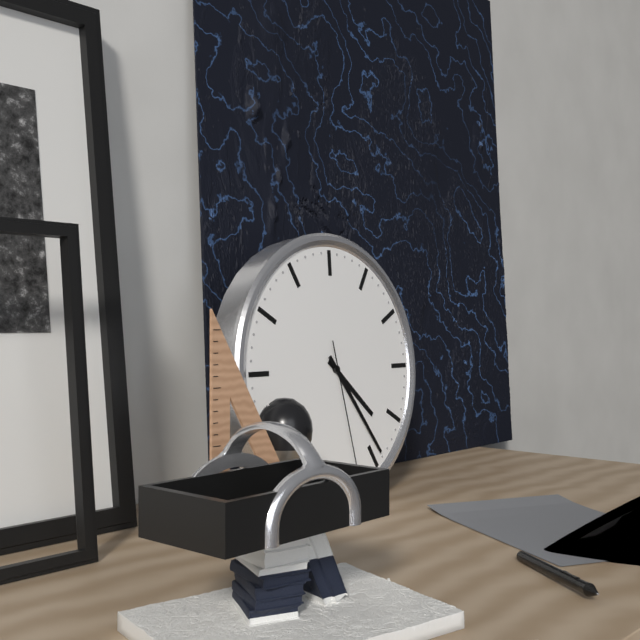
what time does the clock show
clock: 4:24:28
